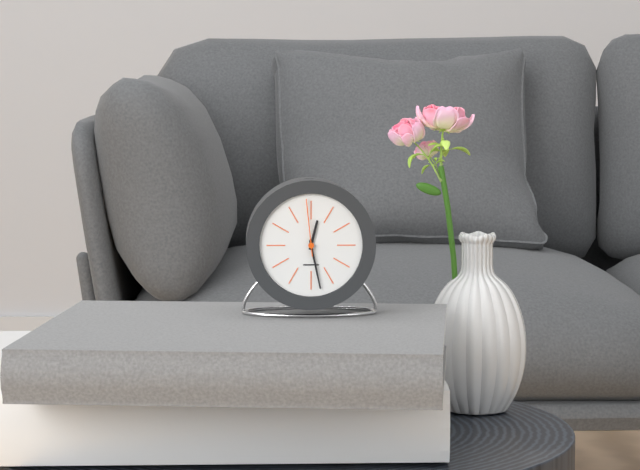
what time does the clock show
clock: 12:28:59
